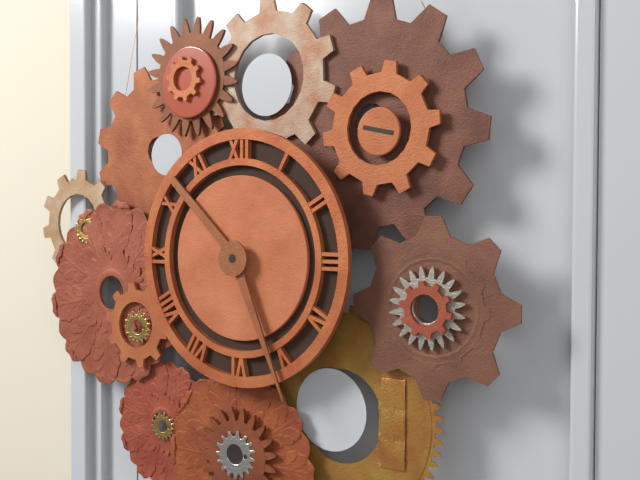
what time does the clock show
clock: 10:26
